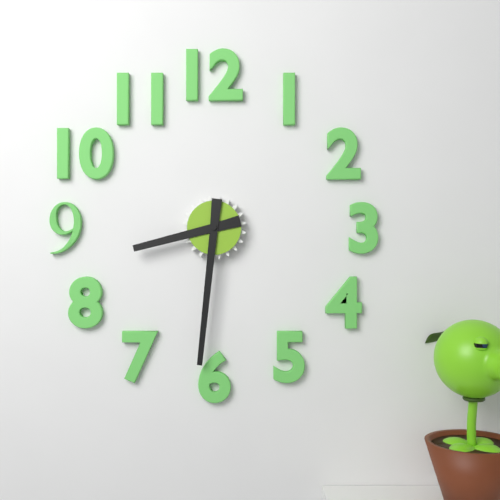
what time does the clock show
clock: 8:31
